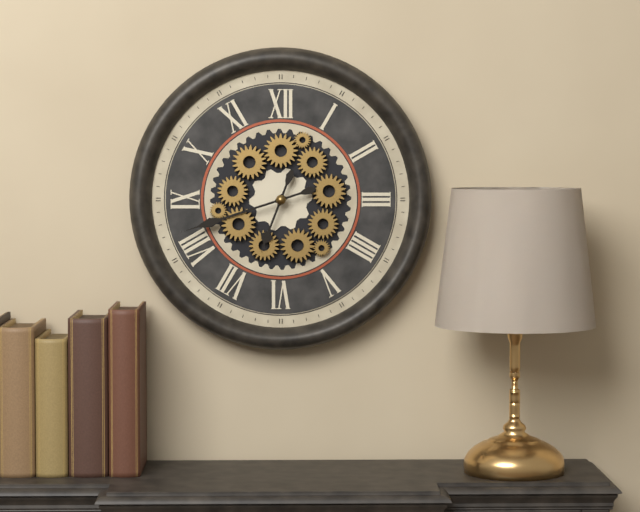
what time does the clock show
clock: 6:42
